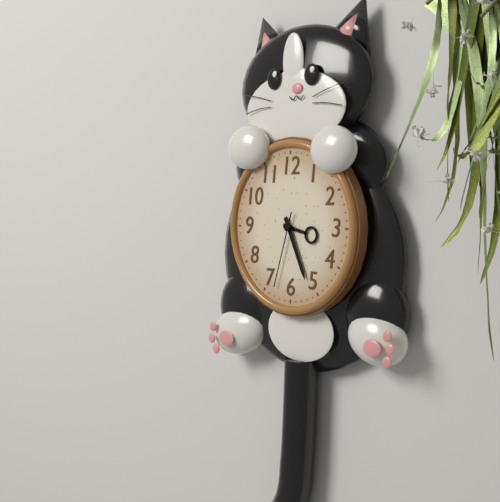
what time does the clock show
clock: 3:26:33
